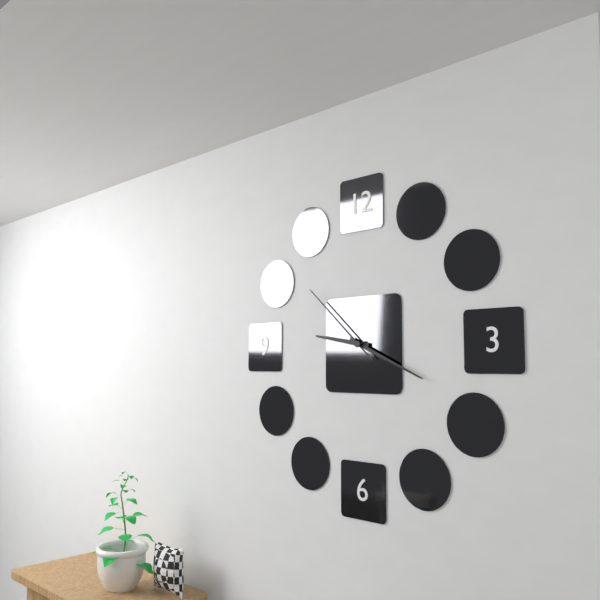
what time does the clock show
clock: 9:19:52
